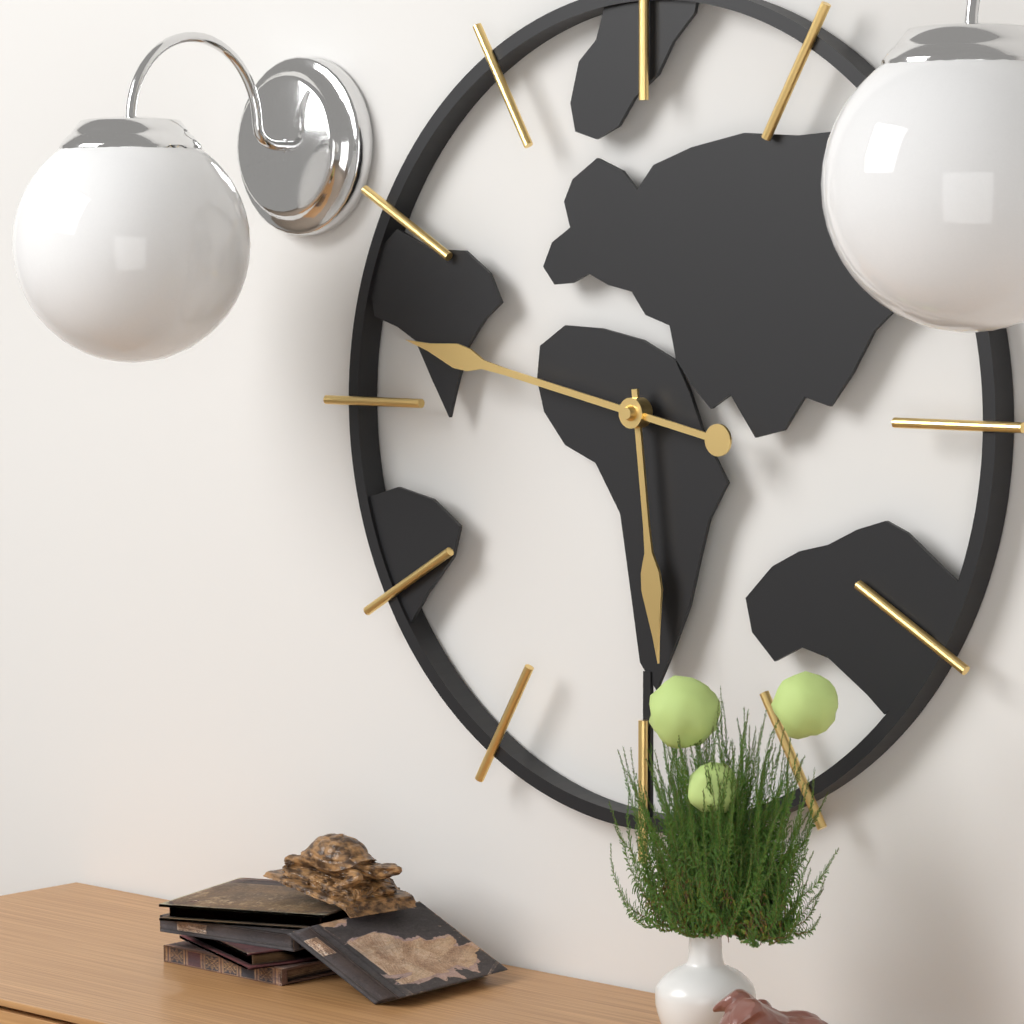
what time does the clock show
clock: 5:47
